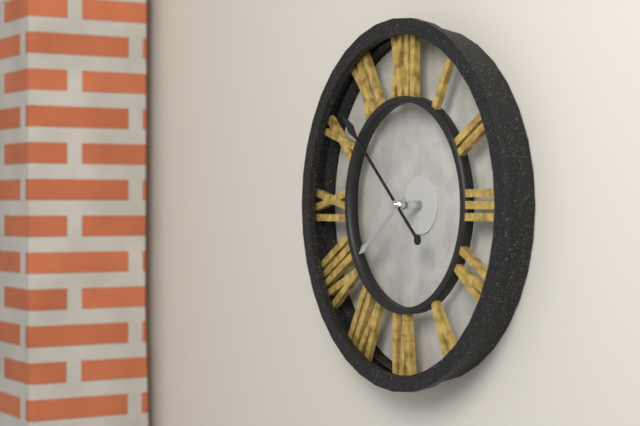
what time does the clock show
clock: 7:52
